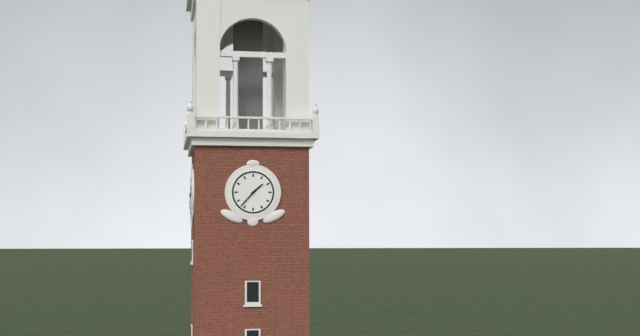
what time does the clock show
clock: 1:37
